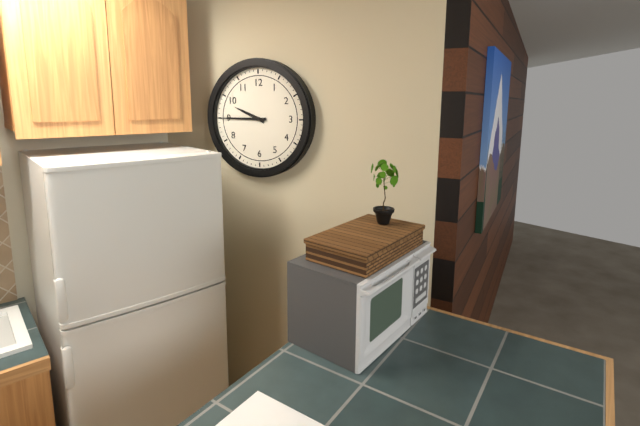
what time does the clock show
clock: 9:45
